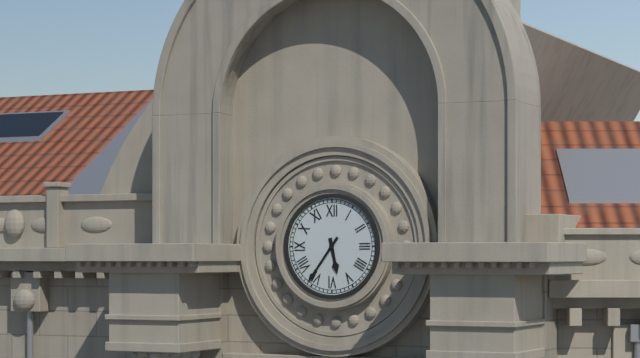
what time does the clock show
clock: 5:36
